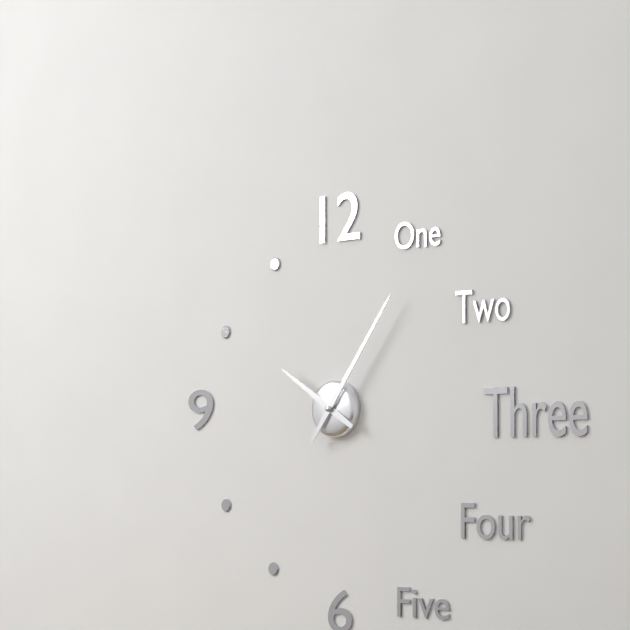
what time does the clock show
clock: 10:06
